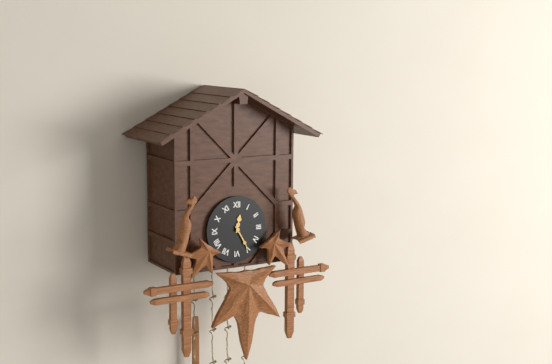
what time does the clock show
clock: 12:25
